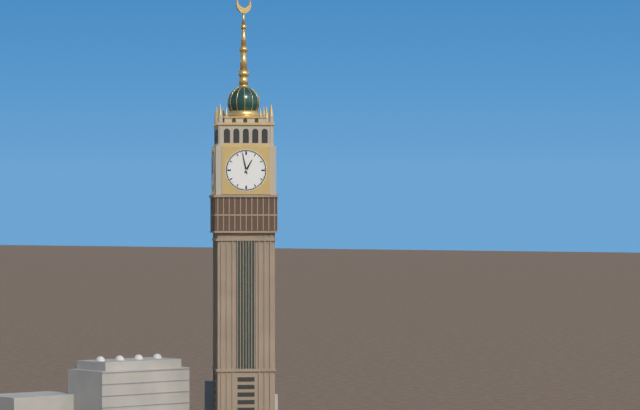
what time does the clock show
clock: 12:58
